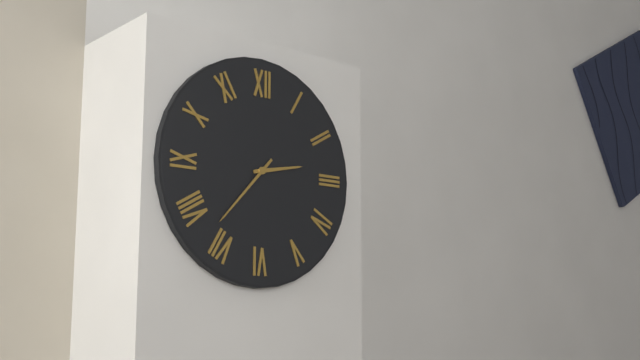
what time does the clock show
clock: 2:37
